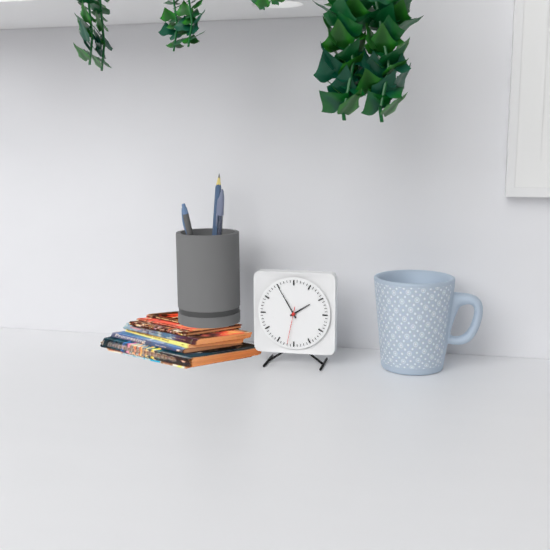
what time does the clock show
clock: 1:55
